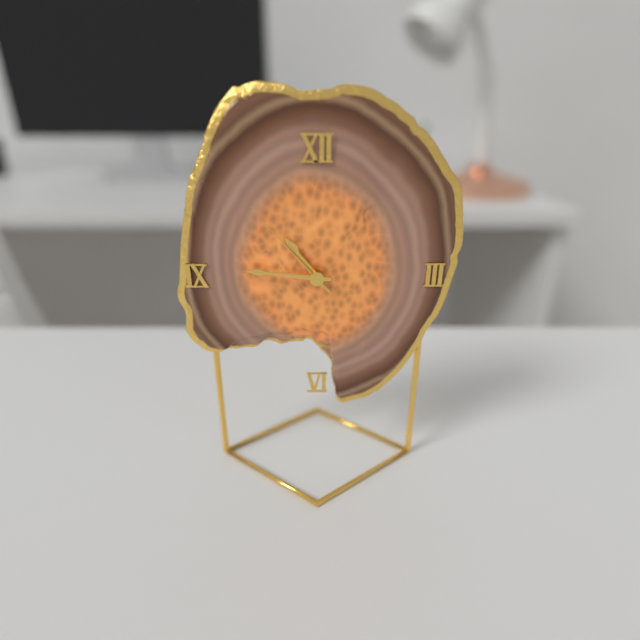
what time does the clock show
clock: 10:46:53
